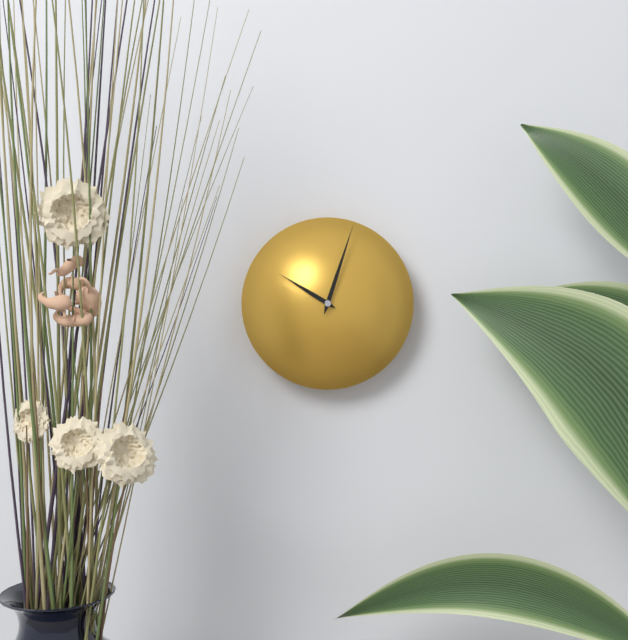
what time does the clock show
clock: 10:03
